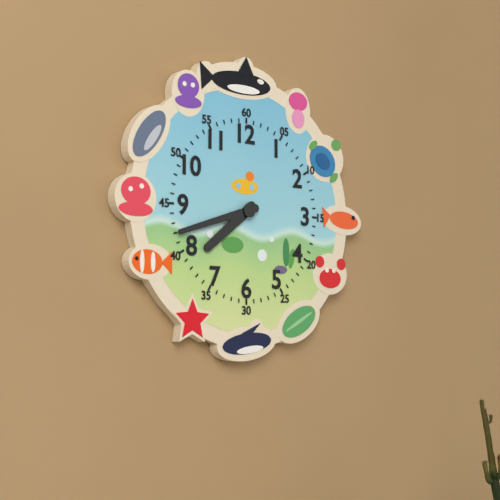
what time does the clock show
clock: 7:42
